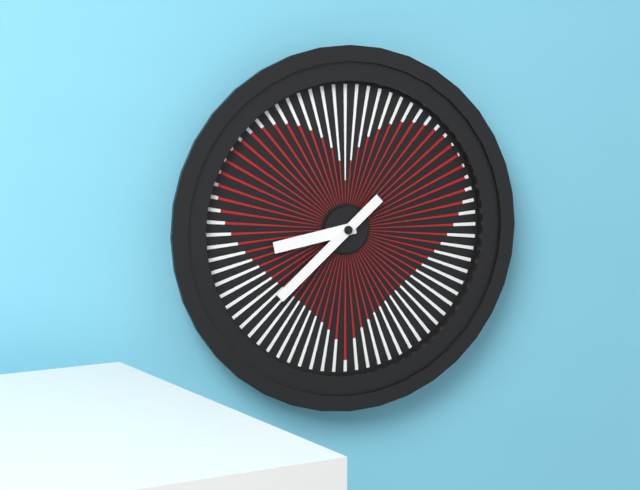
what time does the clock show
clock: 8:38
